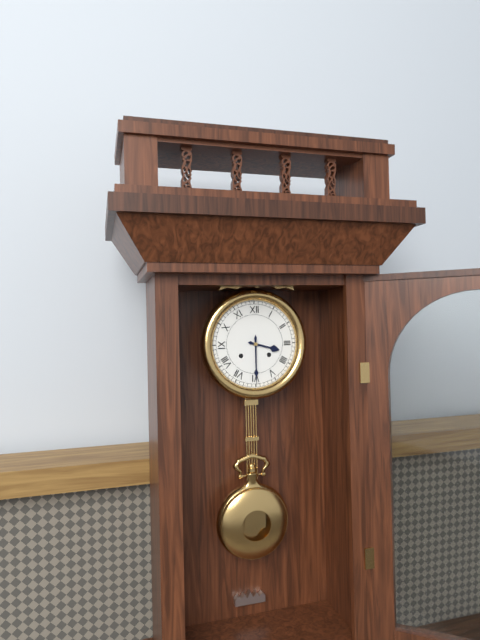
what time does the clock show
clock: 3:30
